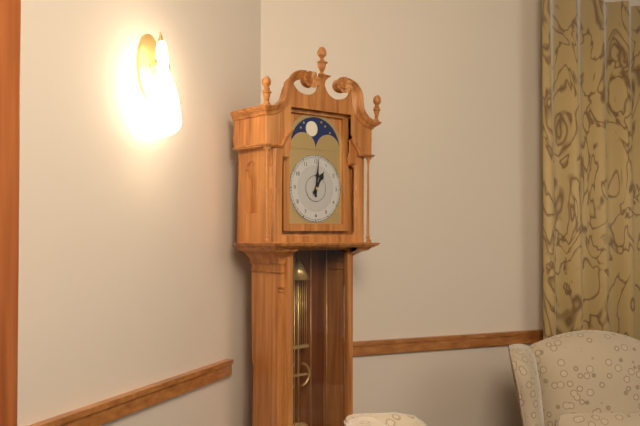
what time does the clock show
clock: 1:01
